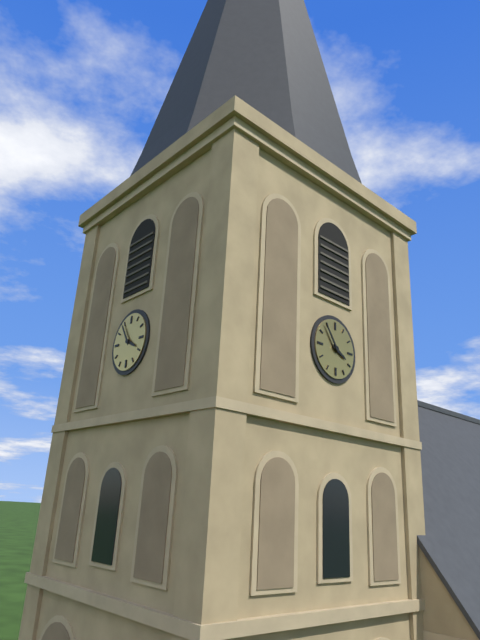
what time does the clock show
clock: 3:54
